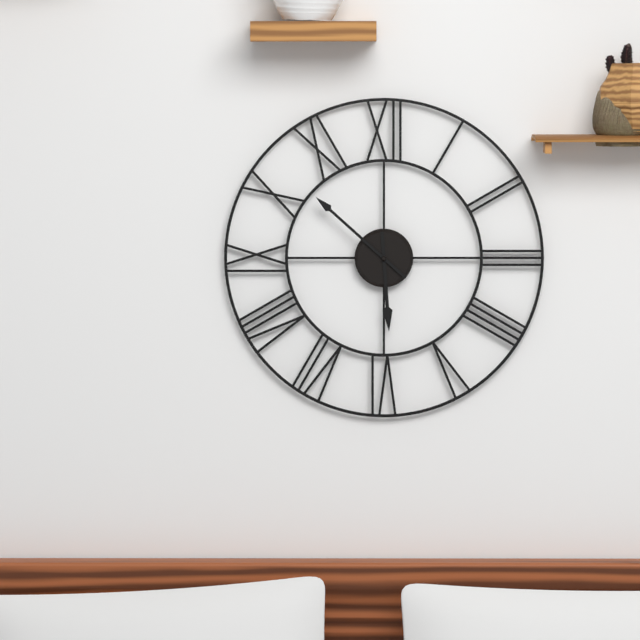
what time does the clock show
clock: 5:52
